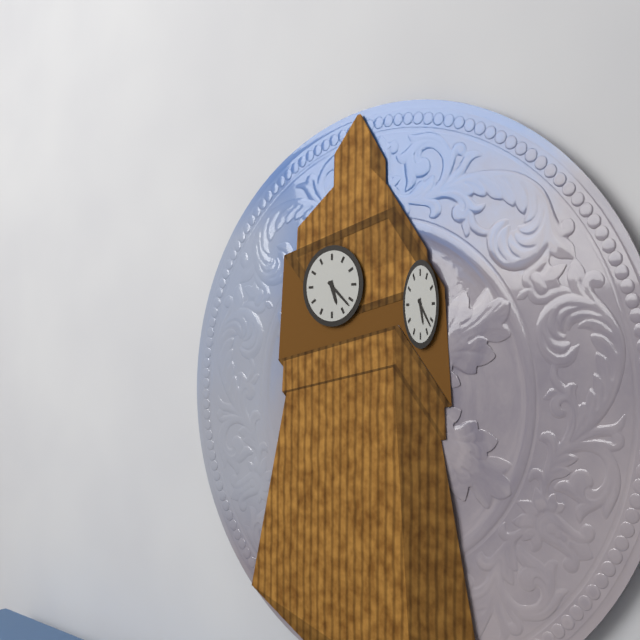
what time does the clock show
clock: 5:22
